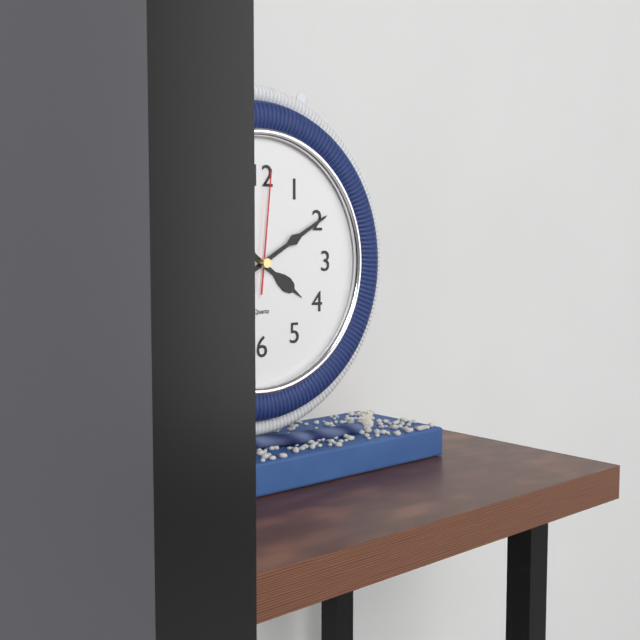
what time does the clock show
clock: 4:10:01
